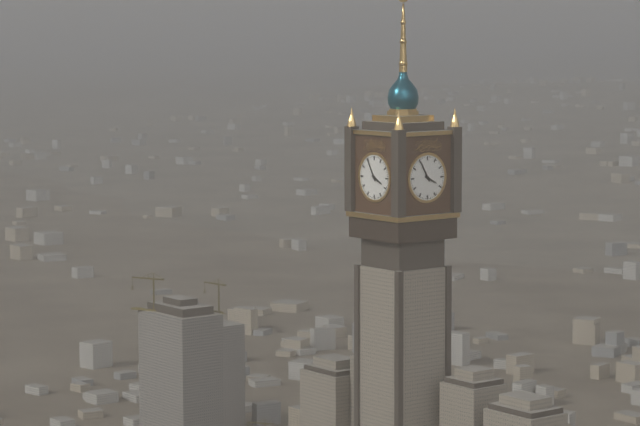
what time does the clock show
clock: 3:55
